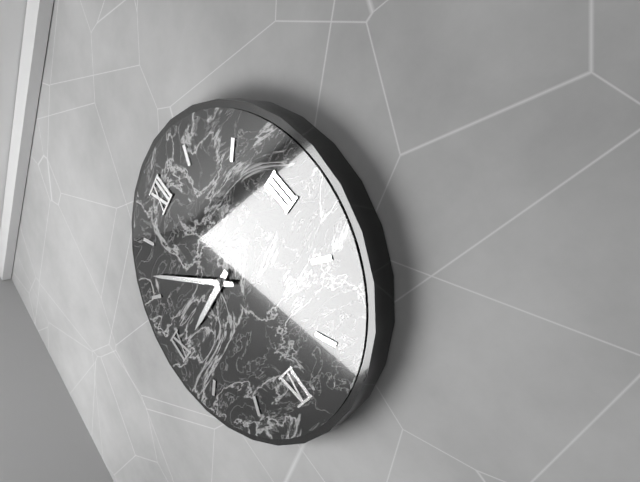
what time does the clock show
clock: 8:52
